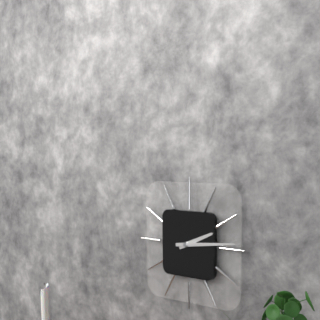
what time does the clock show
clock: 2:14
